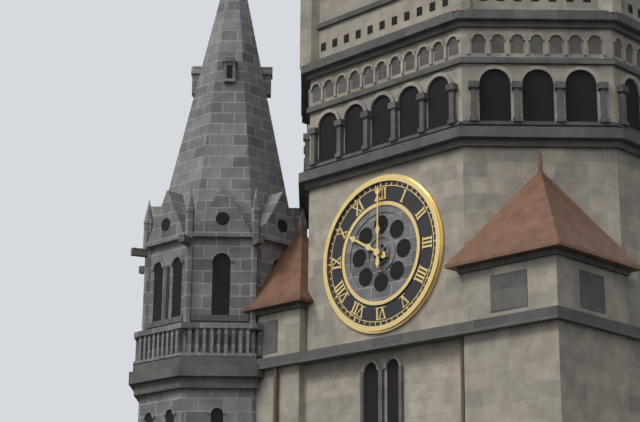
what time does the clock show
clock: 10:00
